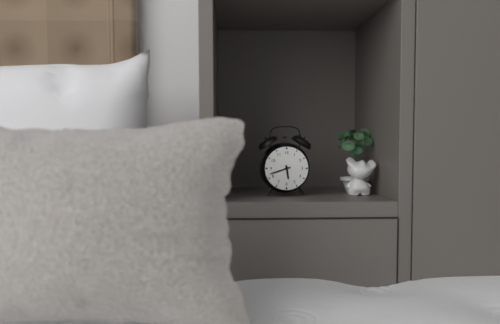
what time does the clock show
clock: 5:42
